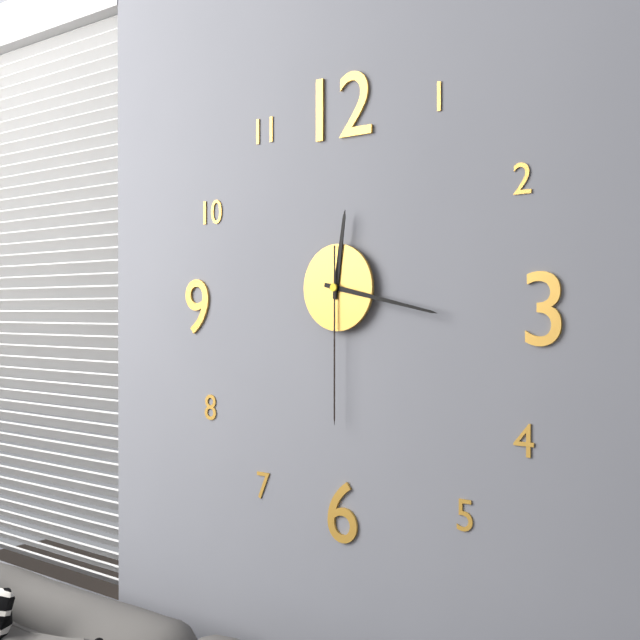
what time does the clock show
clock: 12:17:30
